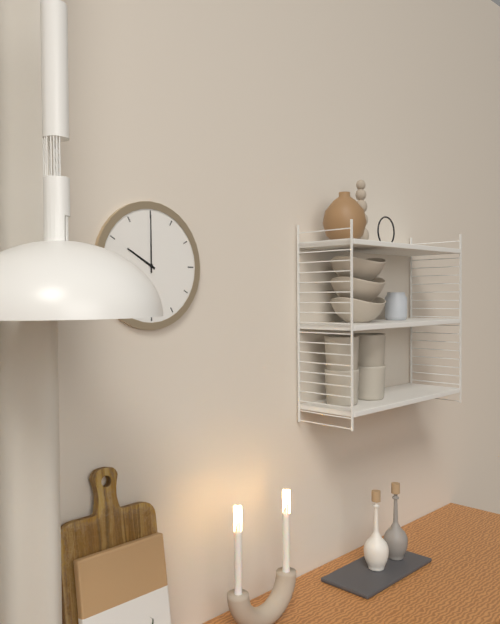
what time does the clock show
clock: 10:00
